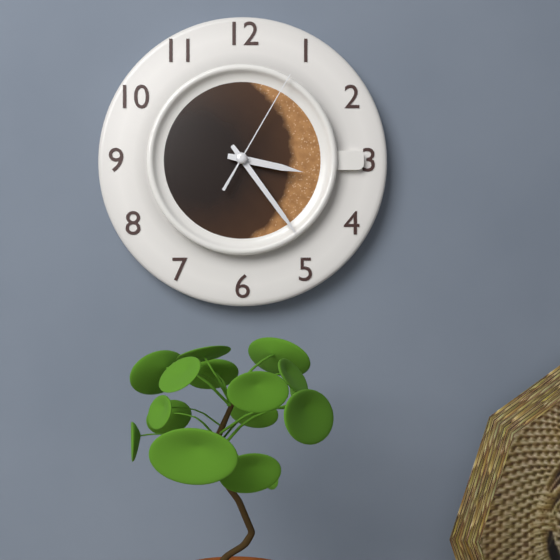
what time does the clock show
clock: 3:24:05
